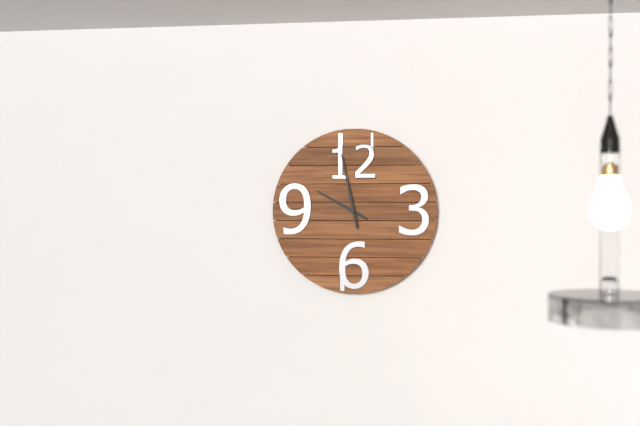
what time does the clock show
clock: 9:58
